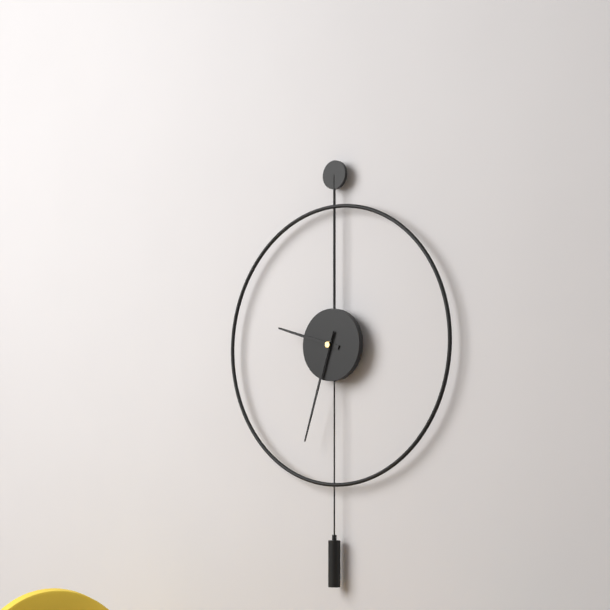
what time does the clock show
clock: 9:33
